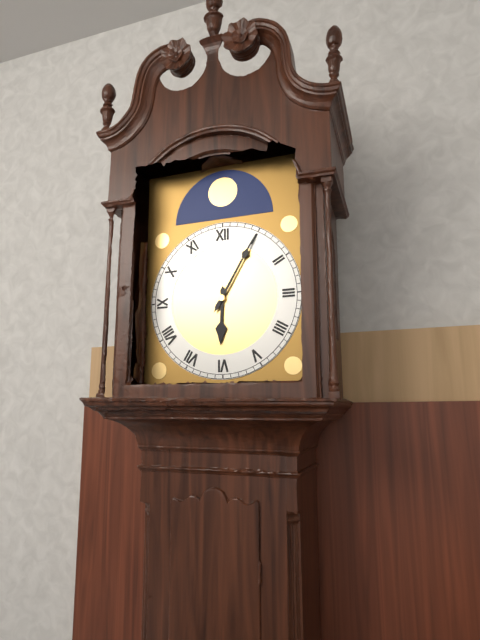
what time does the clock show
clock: 6:05
